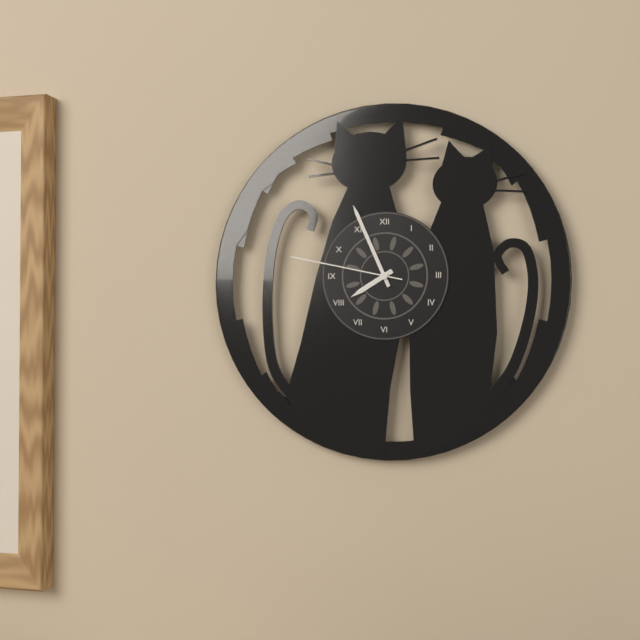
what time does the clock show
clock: 7:56:47
